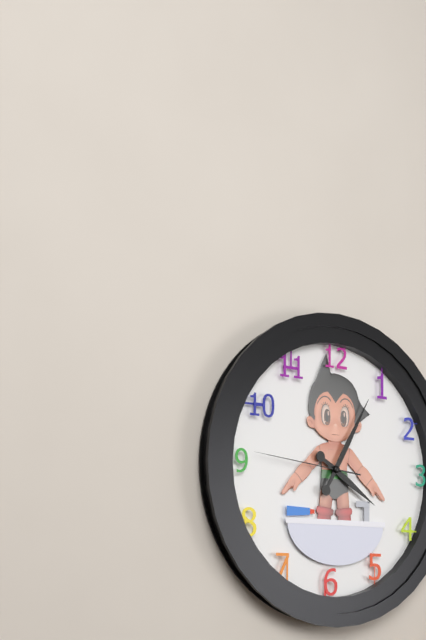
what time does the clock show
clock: 4:05:46
